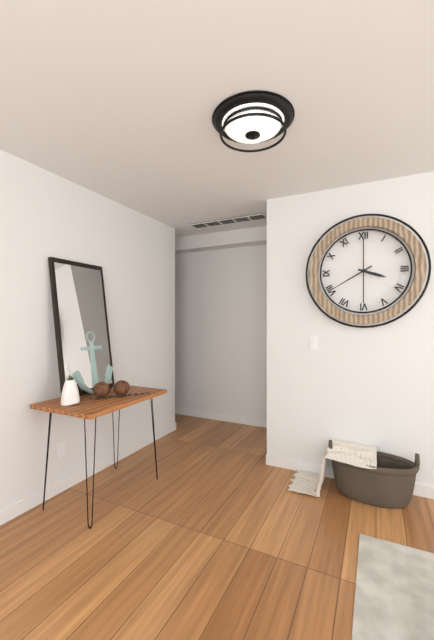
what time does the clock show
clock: 3:40
